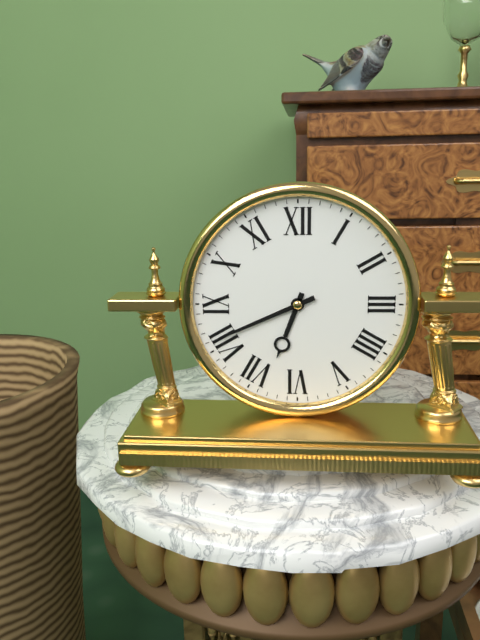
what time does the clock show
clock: 6:41
